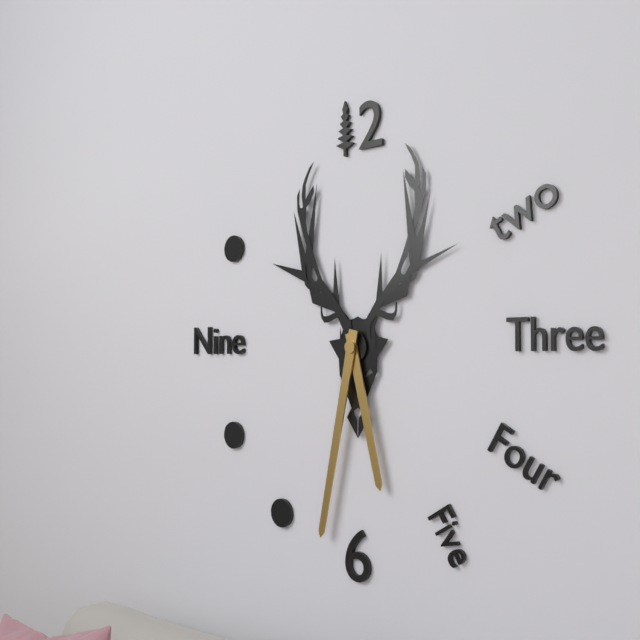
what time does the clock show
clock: 5:32
